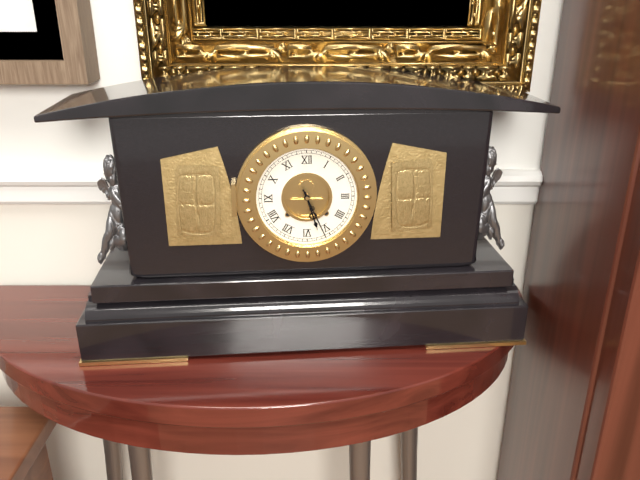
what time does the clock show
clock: 5:26
